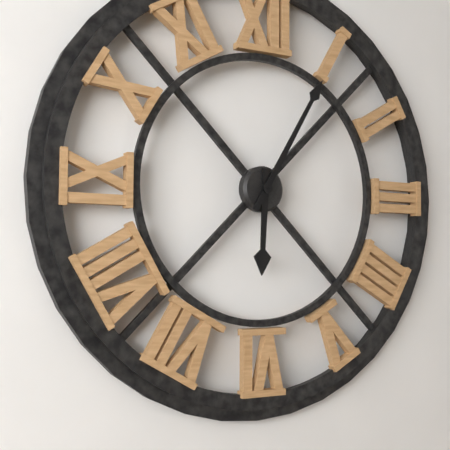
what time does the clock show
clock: 6:05
